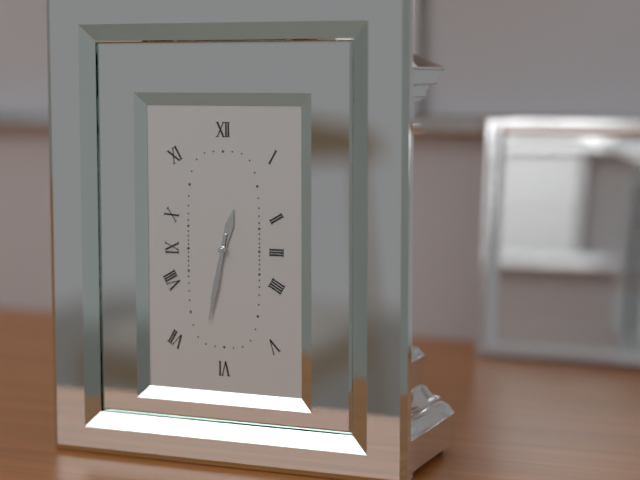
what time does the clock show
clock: 12:32
